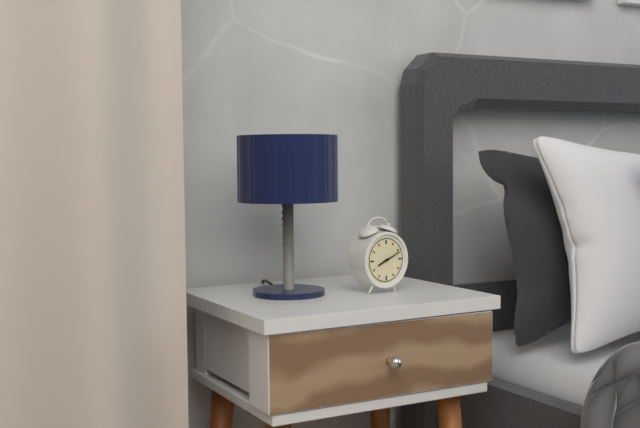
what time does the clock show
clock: 8:11
